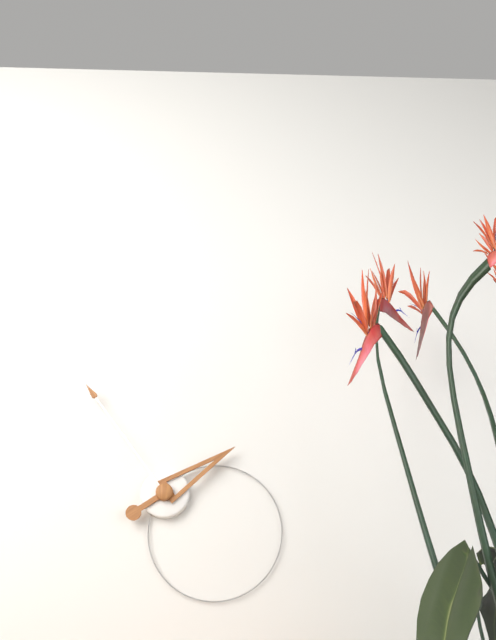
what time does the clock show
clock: 1:54
